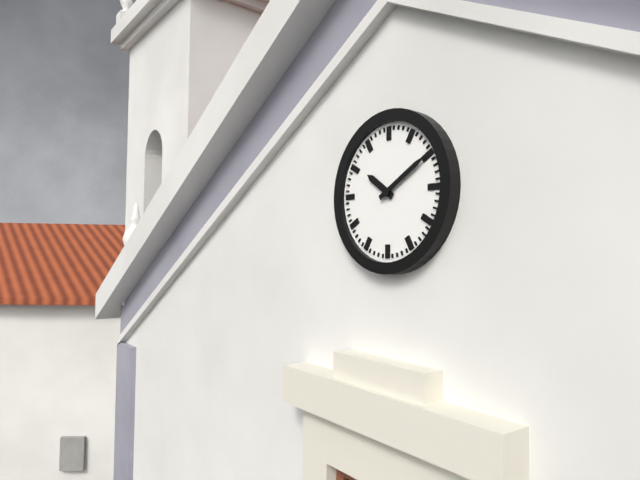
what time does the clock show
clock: 10:10
